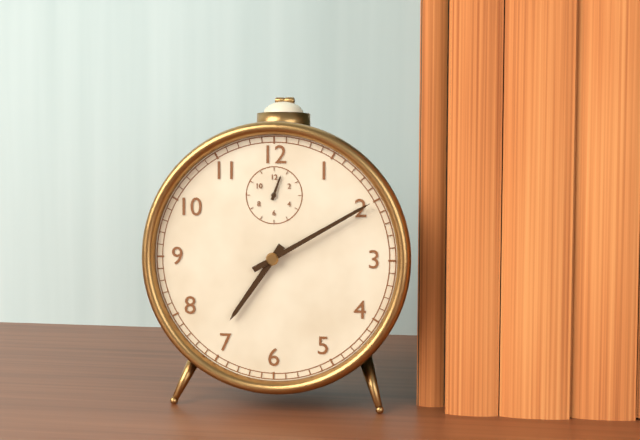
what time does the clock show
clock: 7:10
